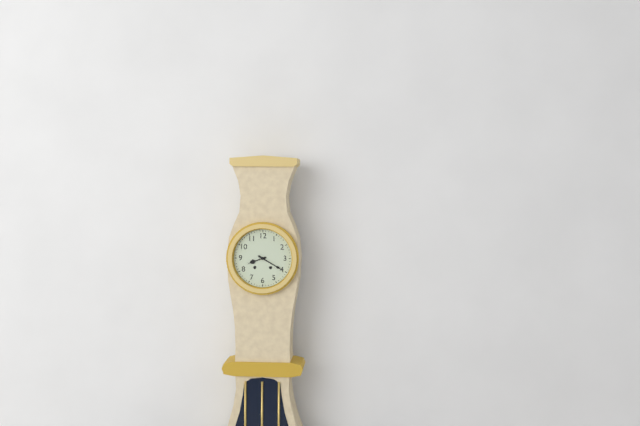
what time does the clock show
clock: 8:20
